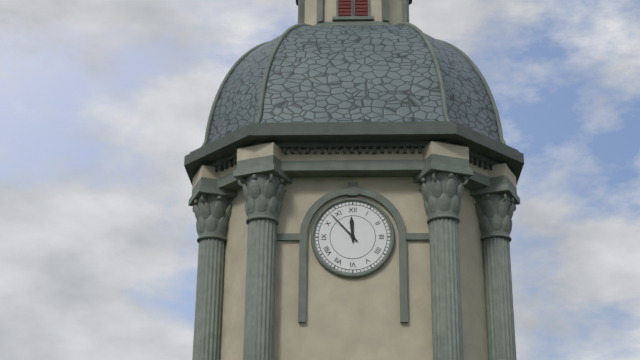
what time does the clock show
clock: 11:53
